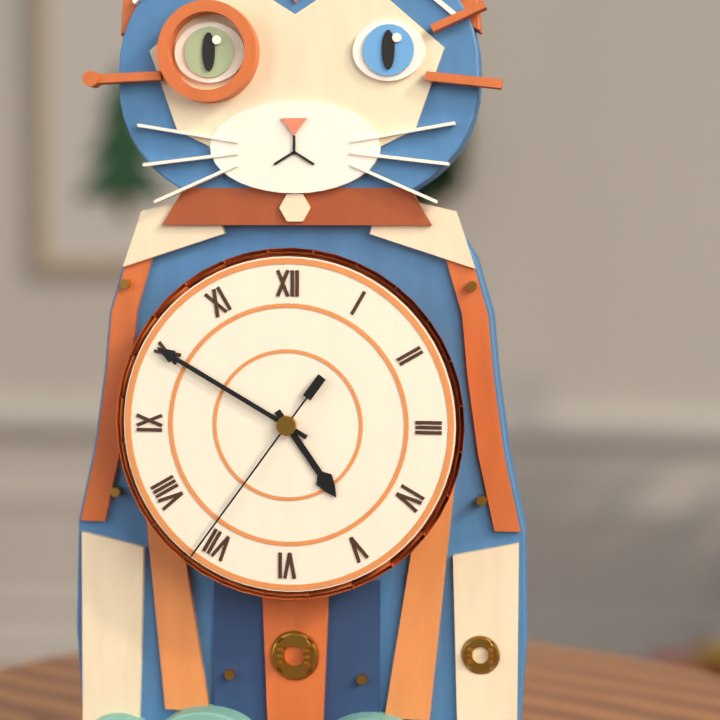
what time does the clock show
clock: 4:50:36
